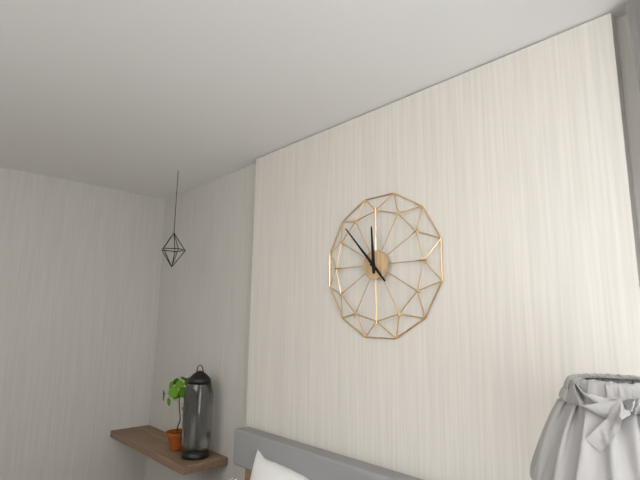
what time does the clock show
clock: 11:53
